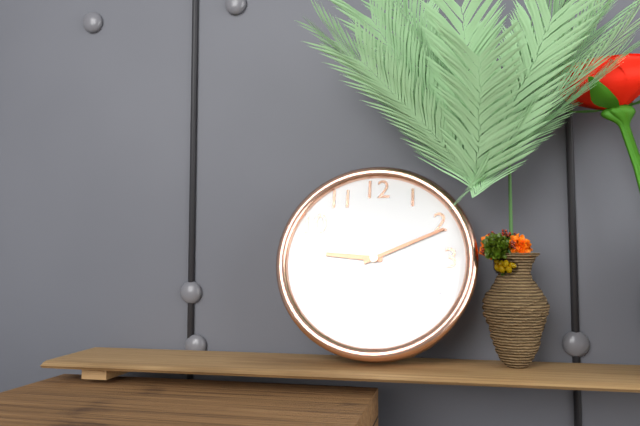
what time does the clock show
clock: 9:11
